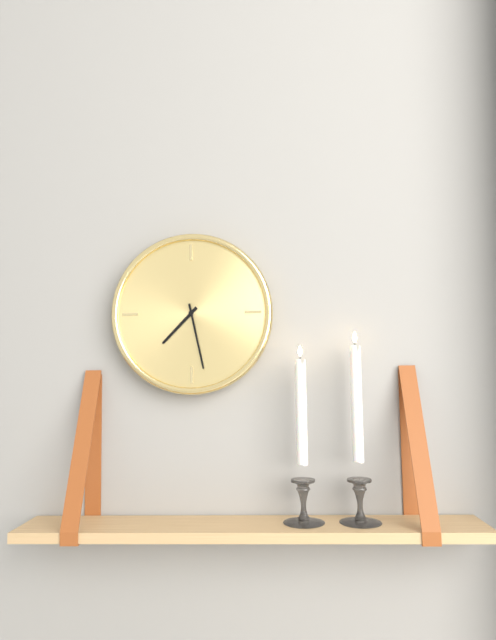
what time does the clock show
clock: 7:28
